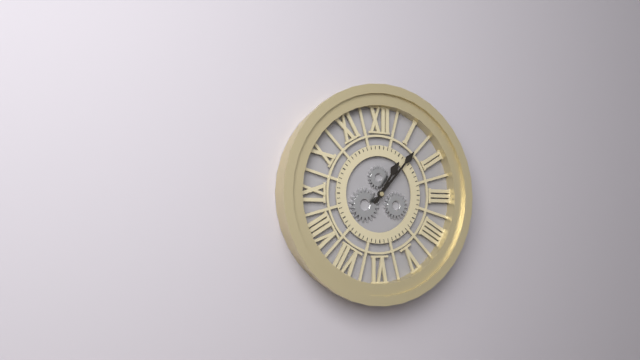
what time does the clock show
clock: 1:07
